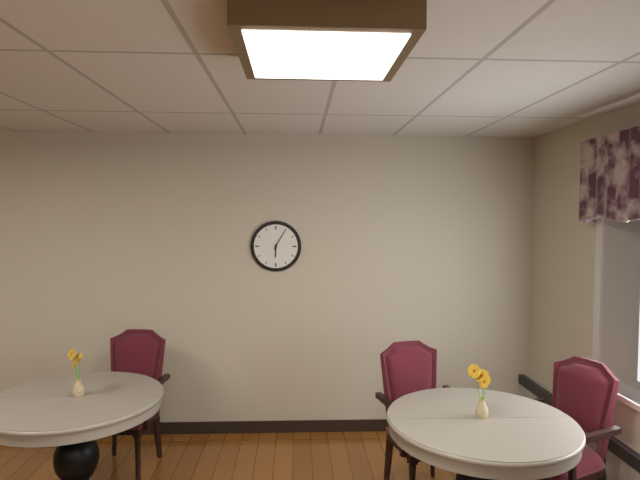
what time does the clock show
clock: 6:05
